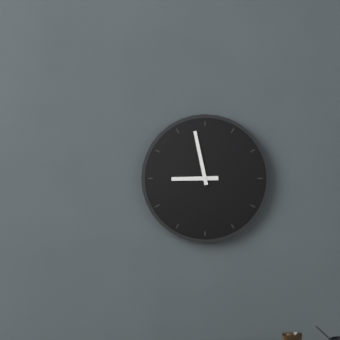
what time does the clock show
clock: 8:58
